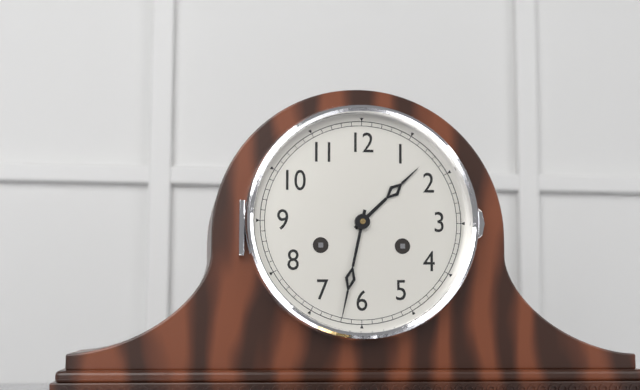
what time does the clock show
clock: 1:32
